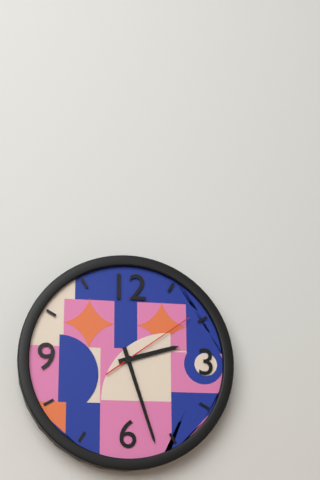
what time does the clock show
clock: 2:27:09
